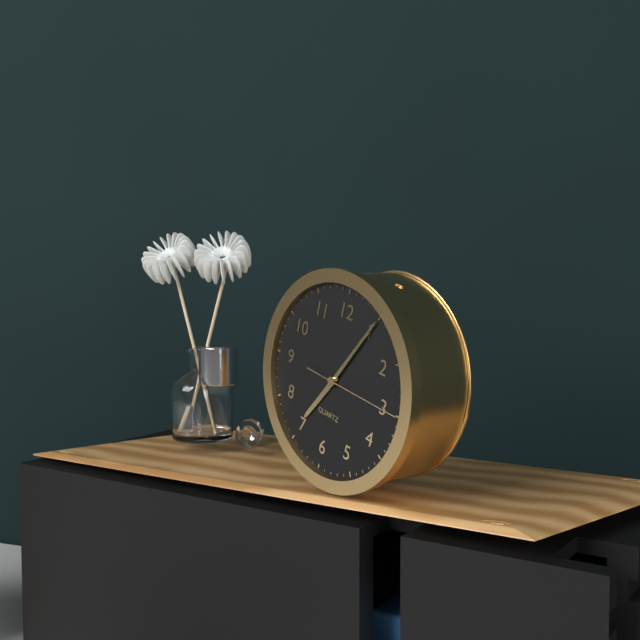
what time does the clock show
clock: 7:05:15
